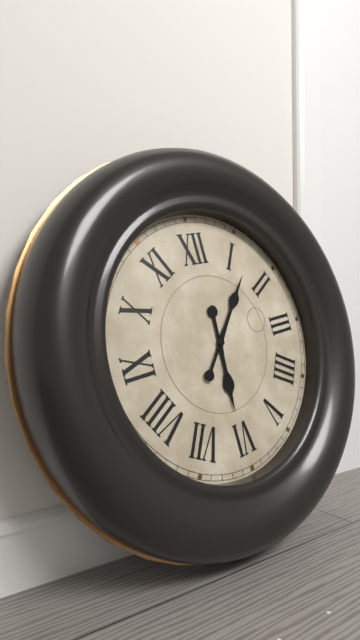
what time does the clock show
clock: 6:07
